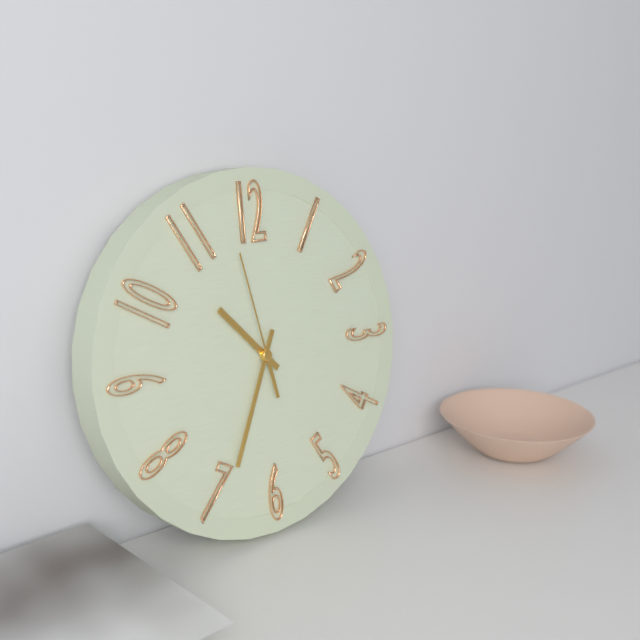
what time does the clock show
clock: 10:34:58
